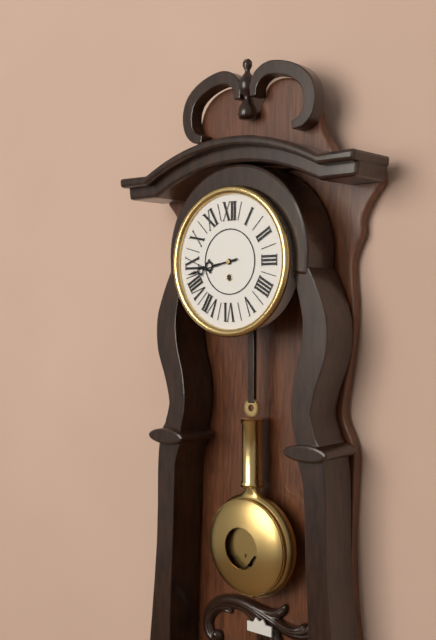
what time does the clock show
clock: 8:43
